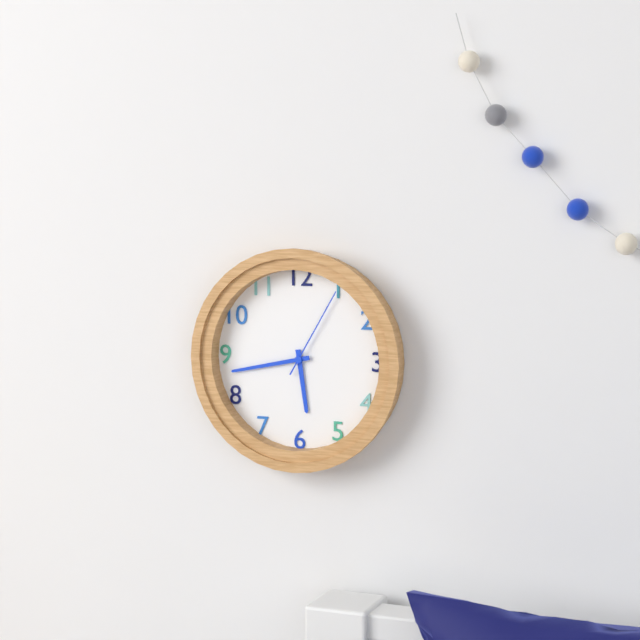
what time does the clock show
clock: 5:43:05
